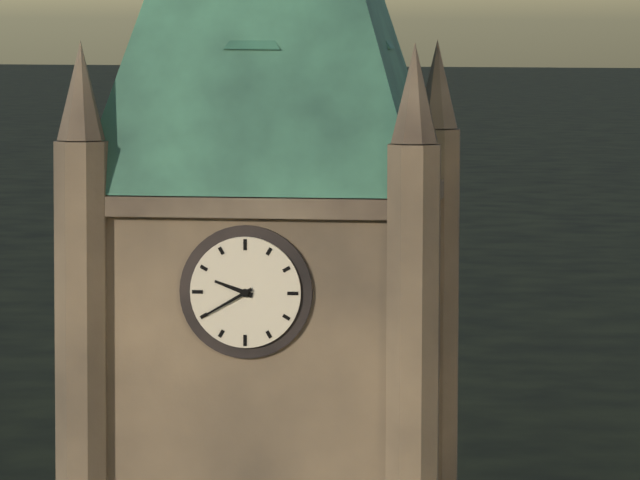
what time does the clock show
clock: 9:40
